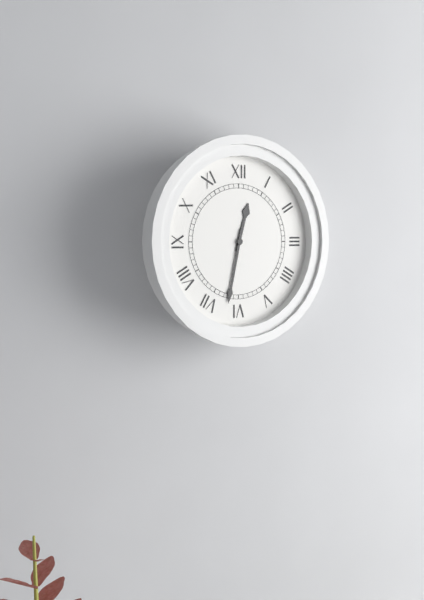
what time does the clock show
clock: 12:32
